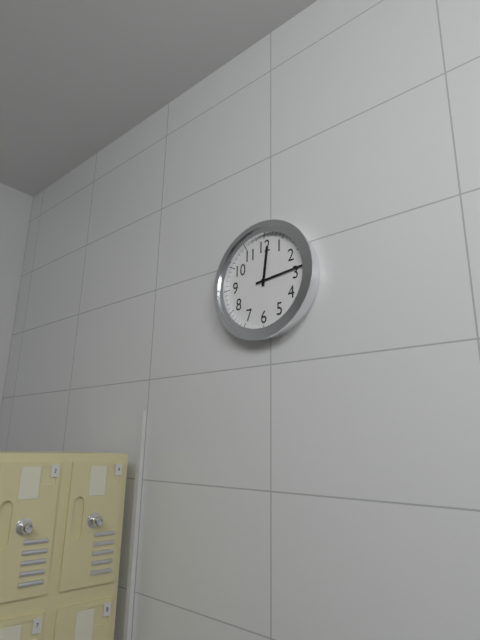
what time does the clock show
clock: 12:14
